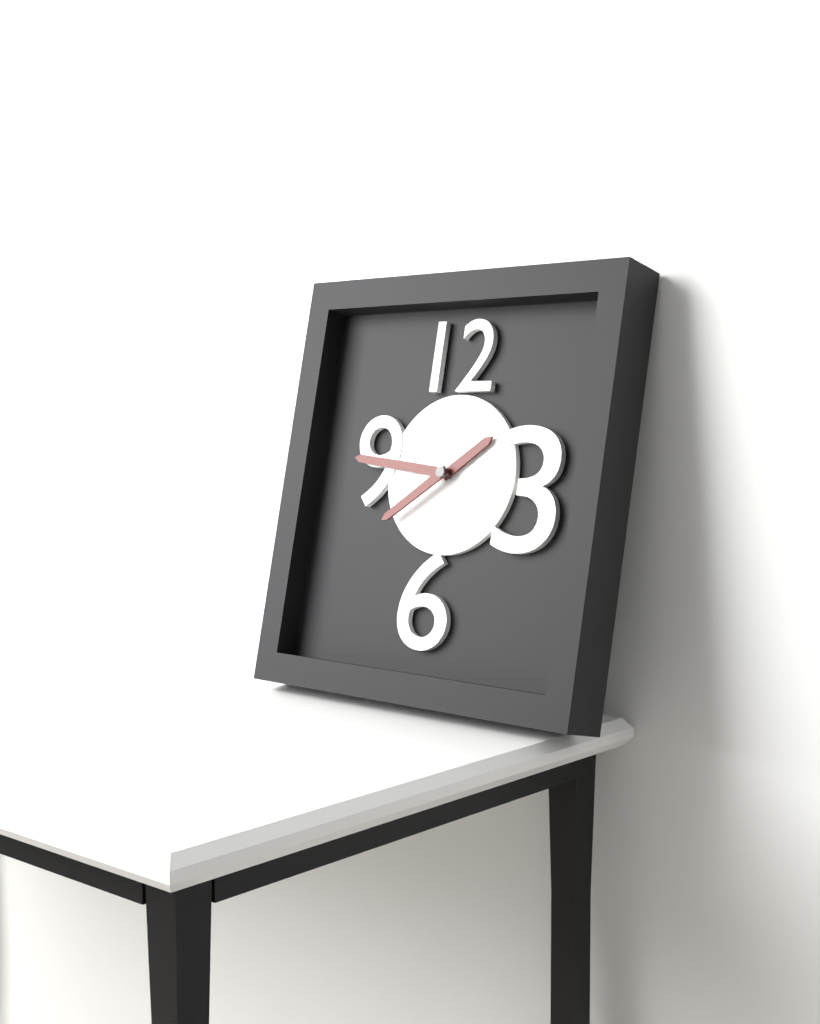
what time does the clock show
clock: 1:46:39
